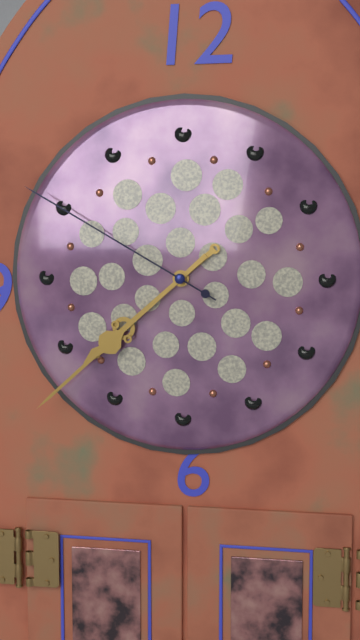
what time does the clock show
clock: 7:38:50
